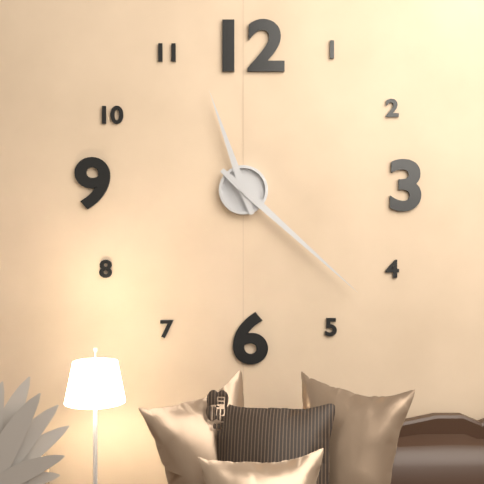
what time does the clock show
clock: 11:22
